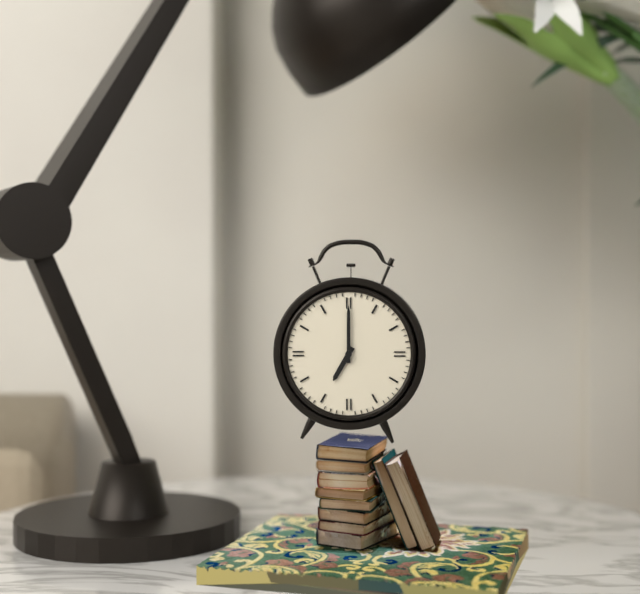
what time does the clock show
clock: 7:00
